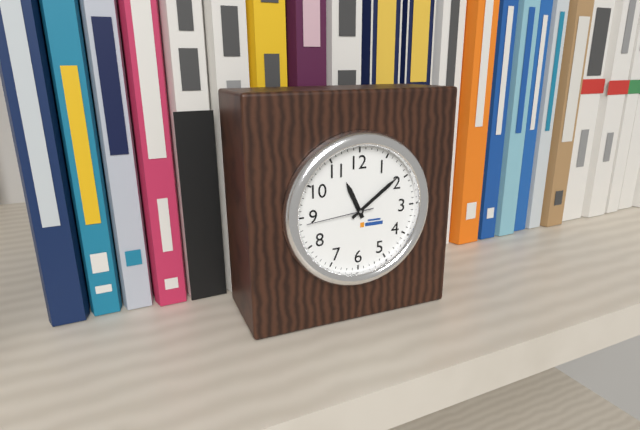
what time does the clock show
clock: 11:09:44
